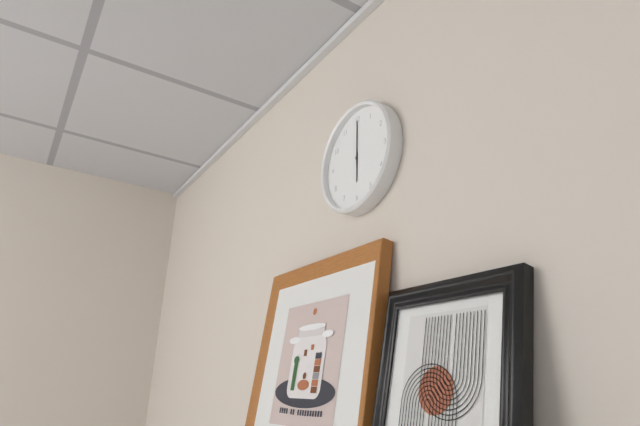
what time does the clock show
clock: 6:00
